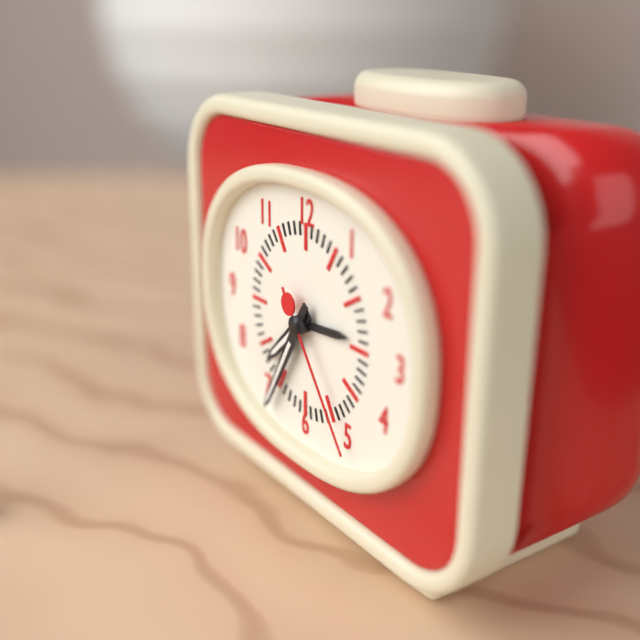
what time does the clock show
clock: 7:35:24
